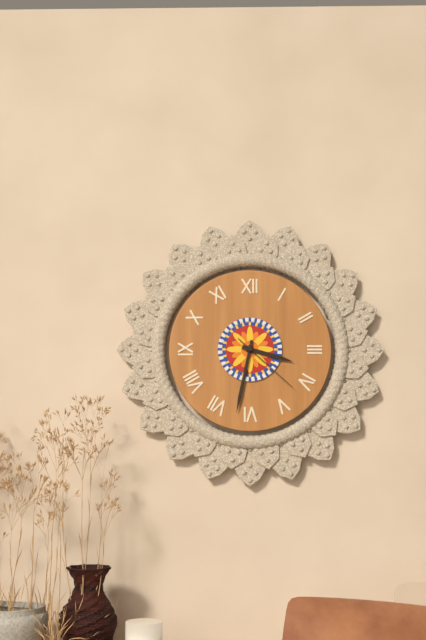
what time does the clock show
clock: 3:32:22
